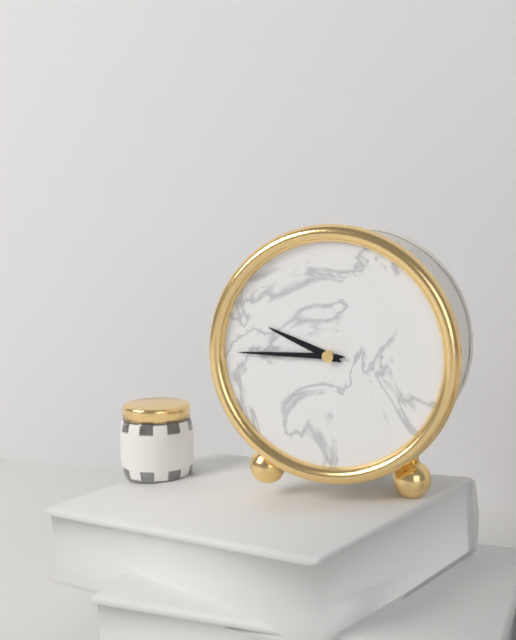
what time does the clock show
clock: 9:45
